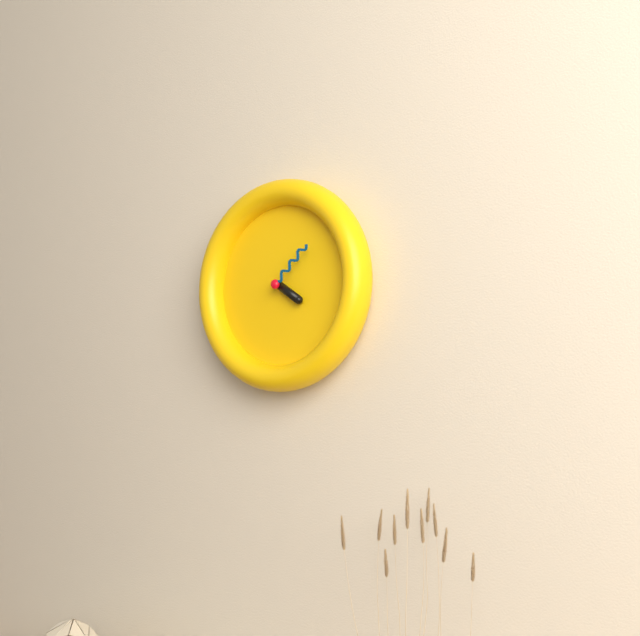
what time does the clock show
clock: 4:08
